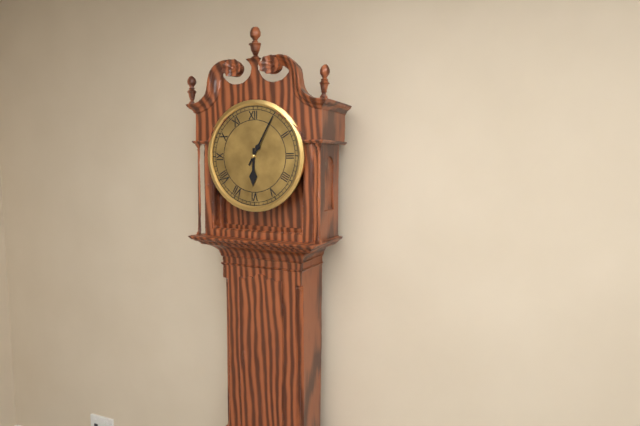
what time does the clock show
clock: 6:05
